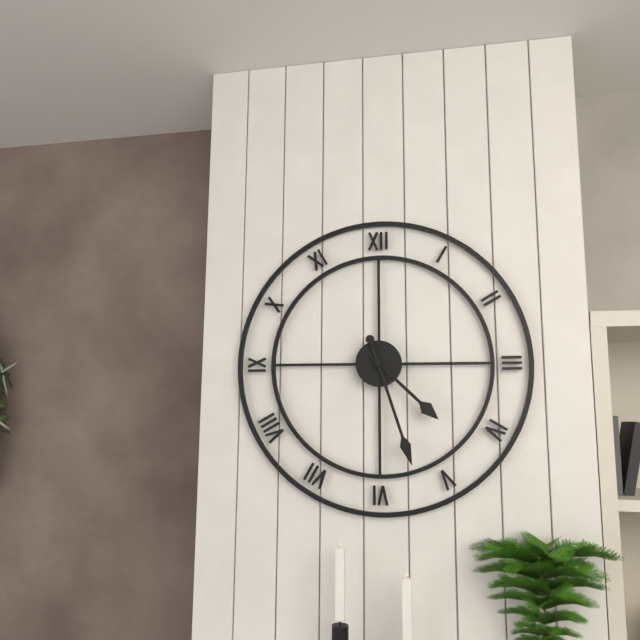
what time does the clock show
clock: 4:27
